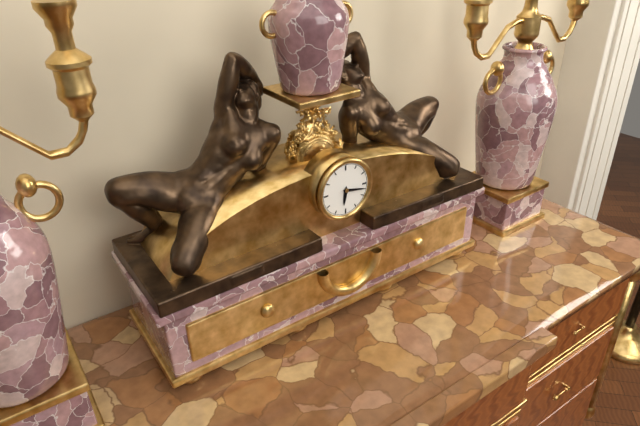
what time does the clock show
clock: 6:17
